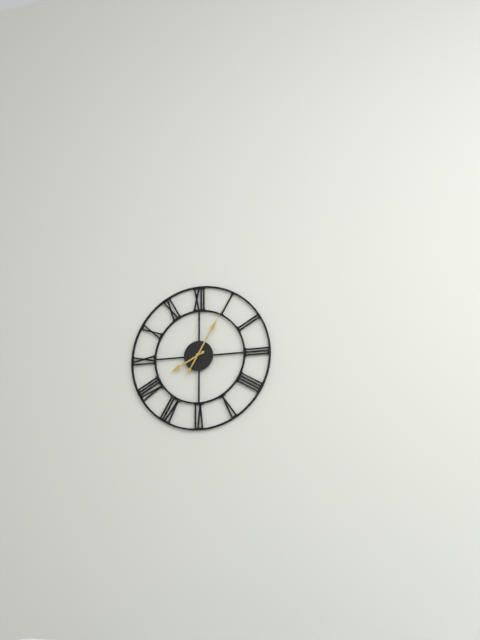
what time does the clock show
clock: 8:05
